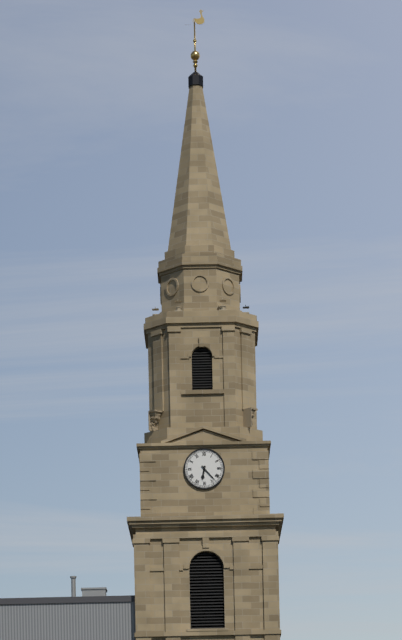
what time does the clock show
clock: 6:23
